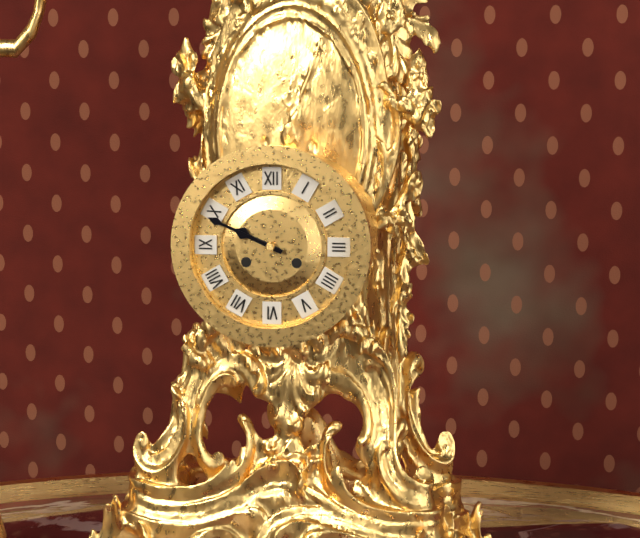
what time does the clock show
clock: 9:49
